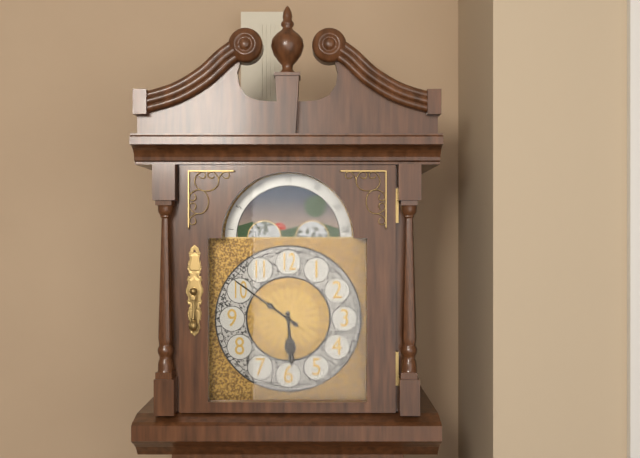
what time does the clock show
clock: 5:51
